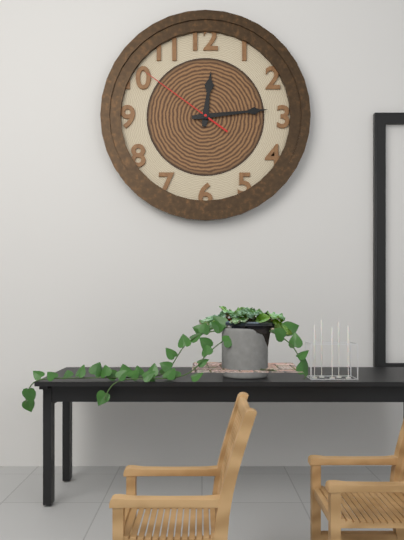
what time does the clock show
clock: 12:14:51
